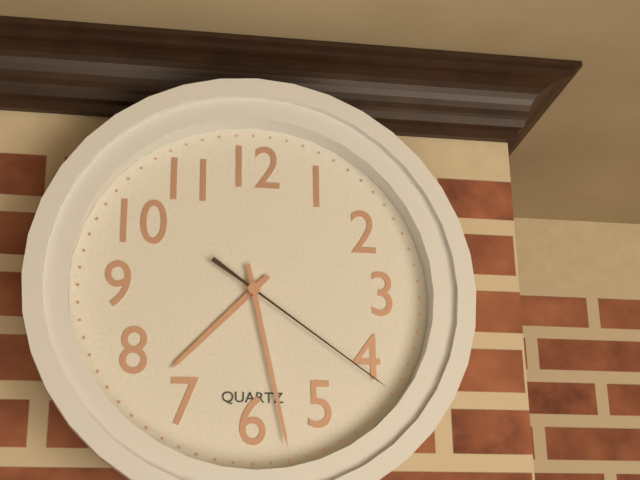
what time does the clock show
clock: 7:28:21
